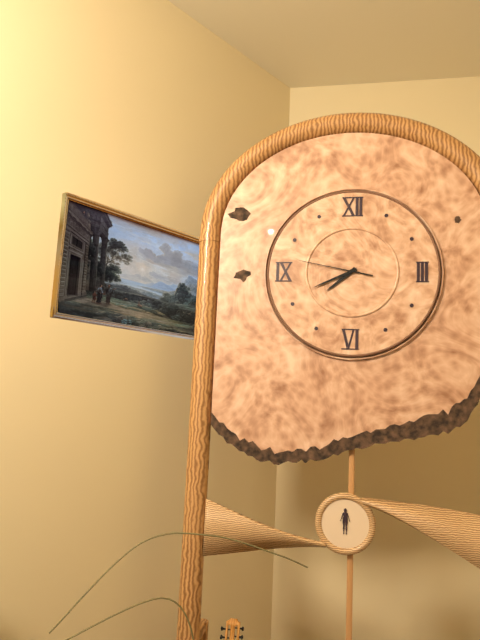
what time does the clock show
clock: 7:41:47
